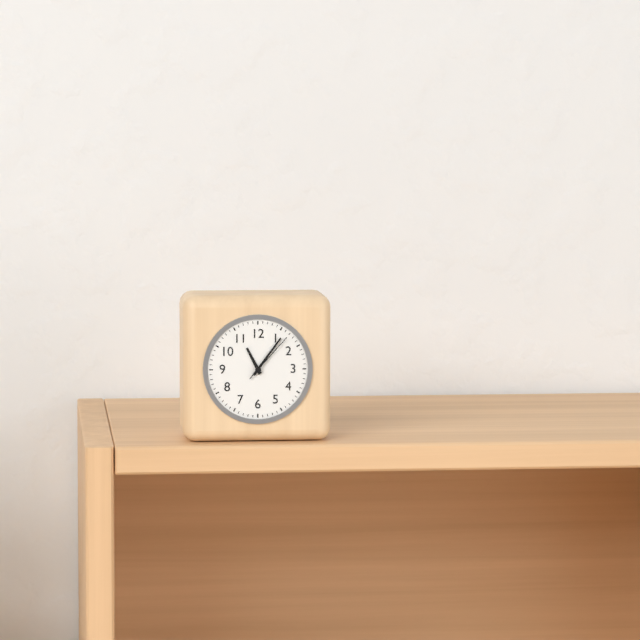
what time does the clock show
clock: 11:06:07
